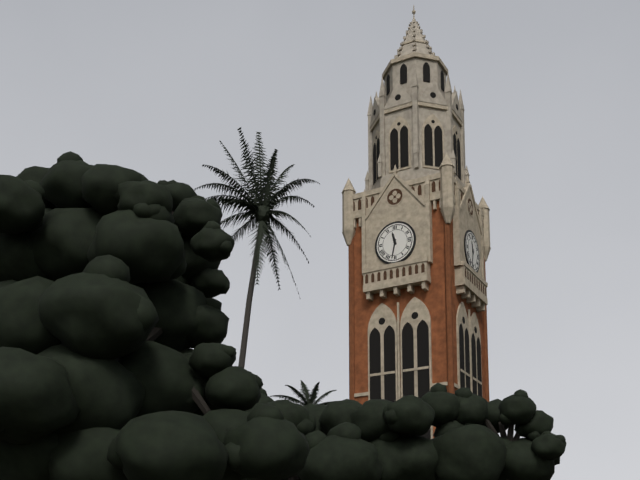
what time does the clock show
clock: 11:32
